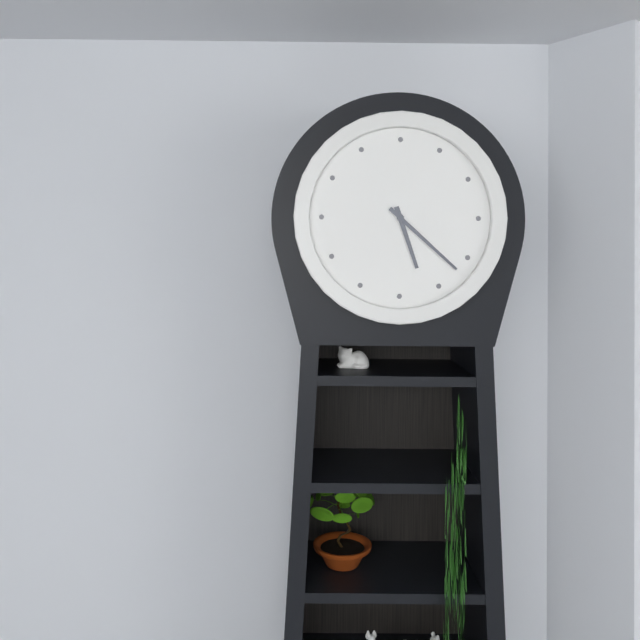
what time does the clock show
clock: 5:22
